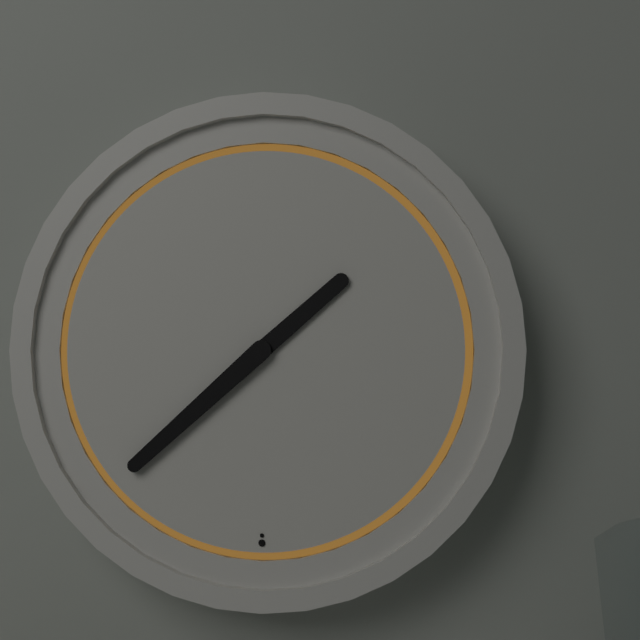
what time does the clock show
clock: 1:38
